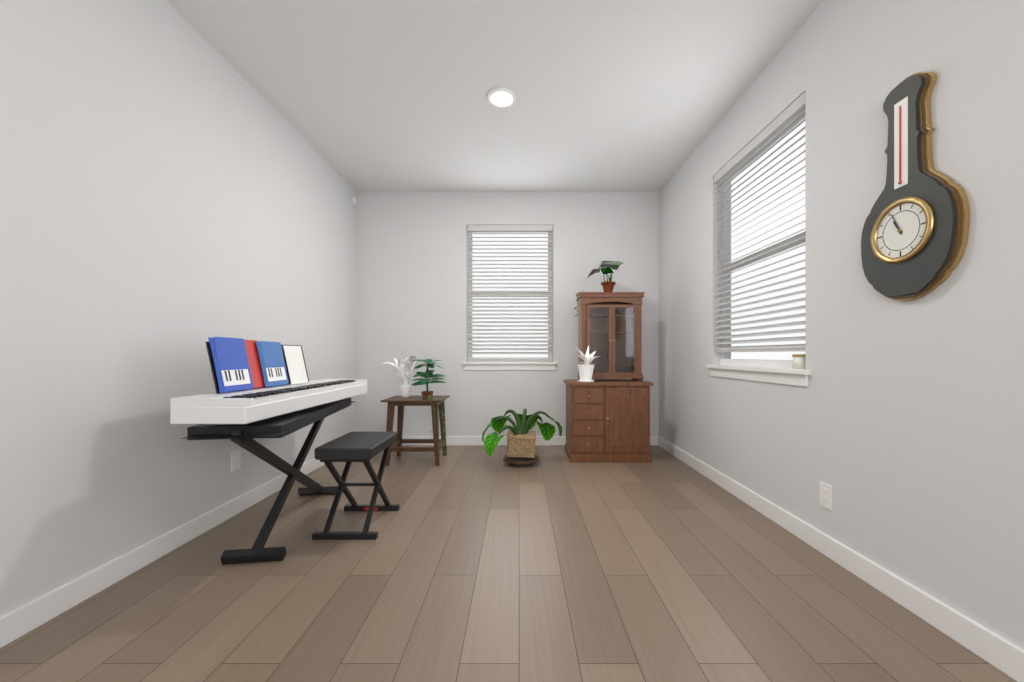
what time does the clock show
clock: 10:56
